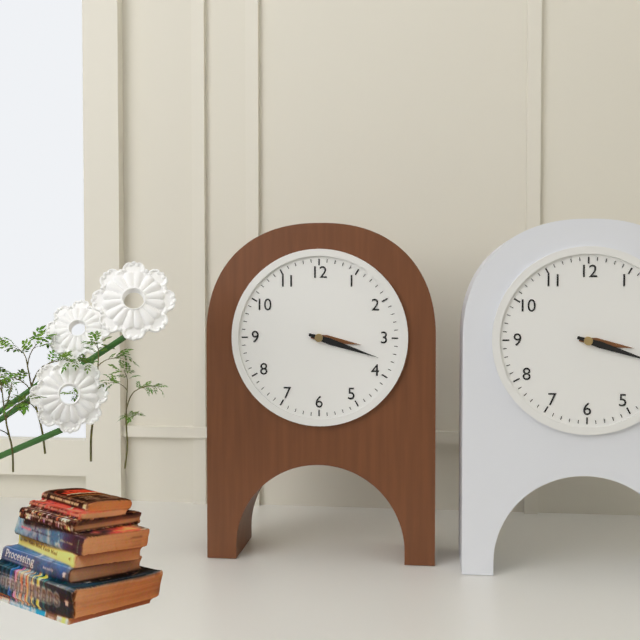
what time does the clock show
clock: 3:18
